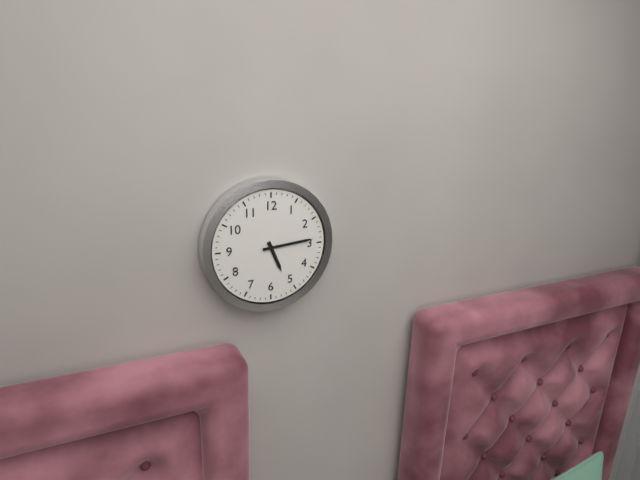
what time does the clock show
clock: 5:14
